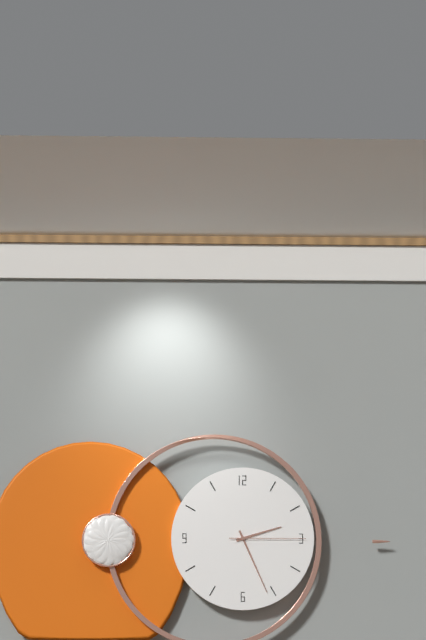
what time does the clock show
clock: 2:26:15
